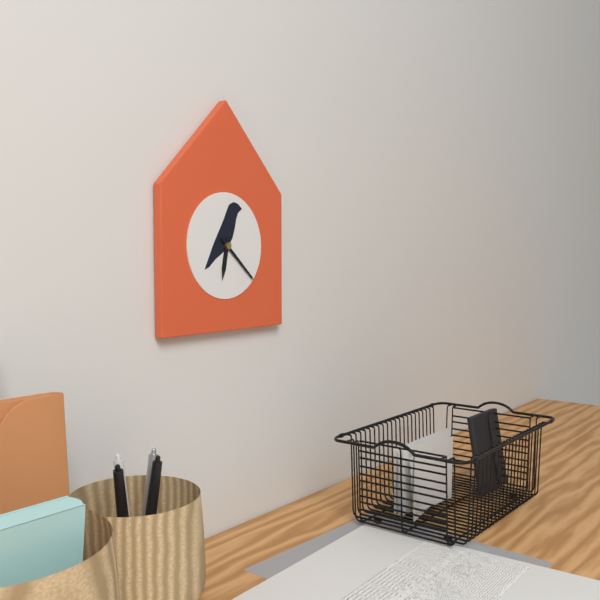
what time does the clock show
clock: 6:22
